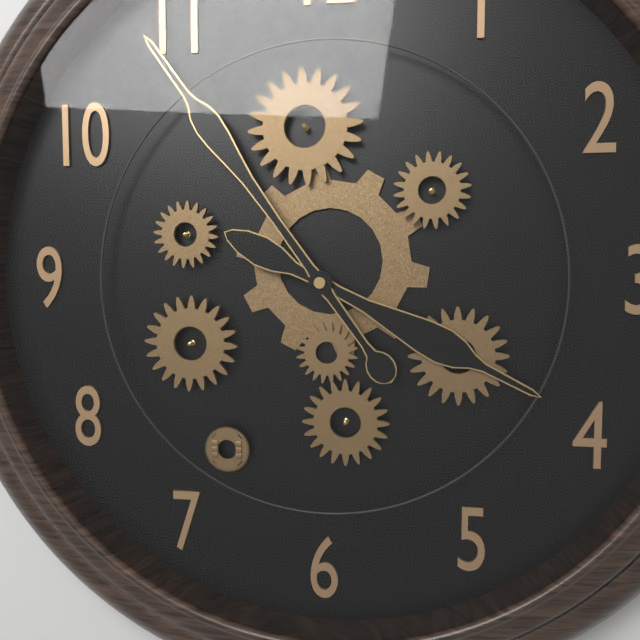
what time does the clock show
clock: 3:54
